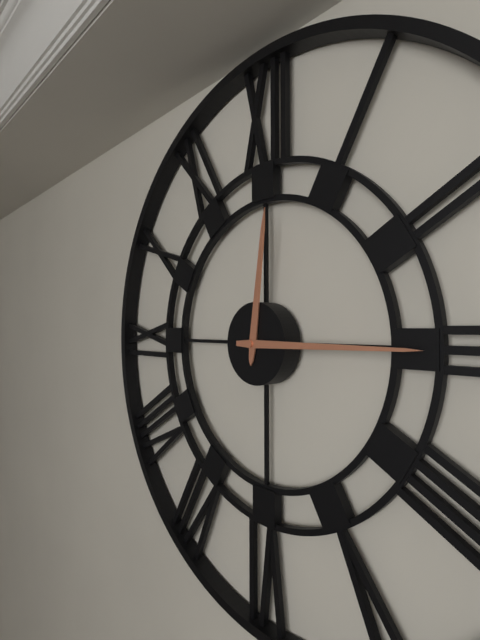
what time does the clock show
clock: 12:15
